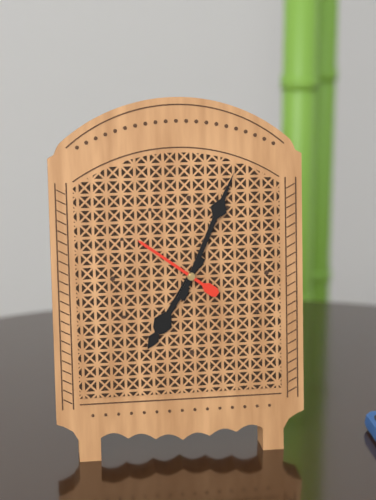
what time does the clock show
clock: 7:04:51
